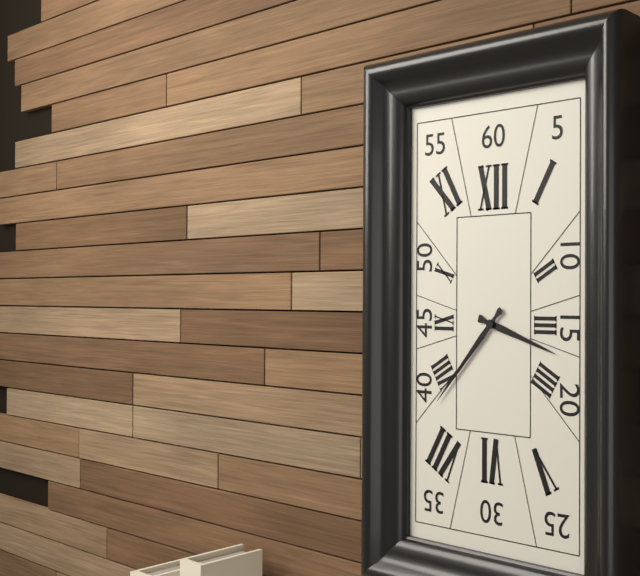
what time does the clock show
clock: 3:37
